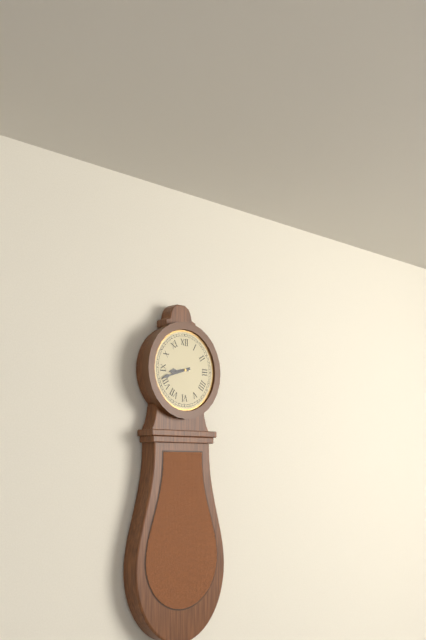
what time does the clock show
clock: 8:42
